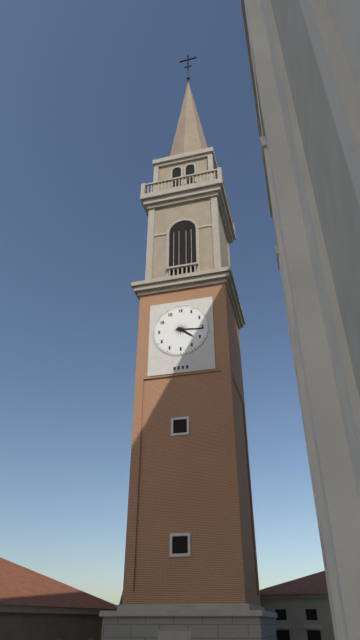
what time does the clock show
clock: 4:16
